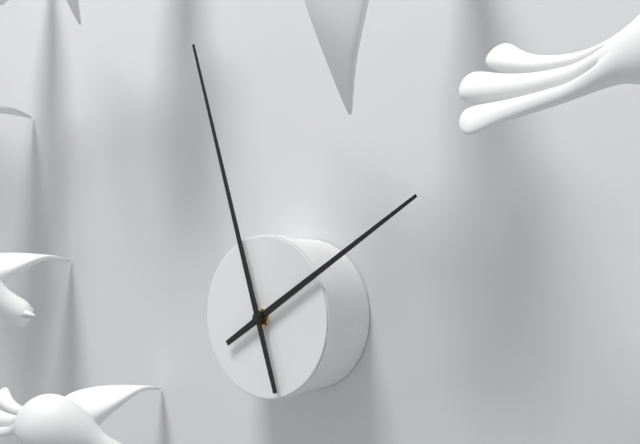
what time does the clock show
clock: 1:57
